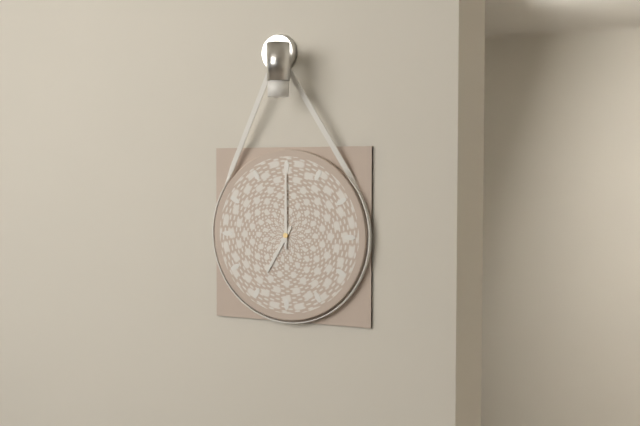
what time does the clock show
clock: 7:00
